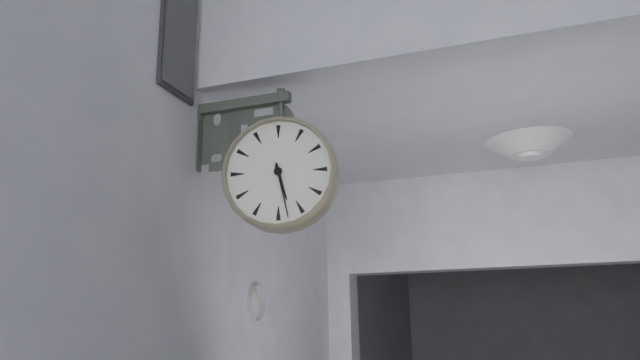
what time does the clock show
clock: 5:28
